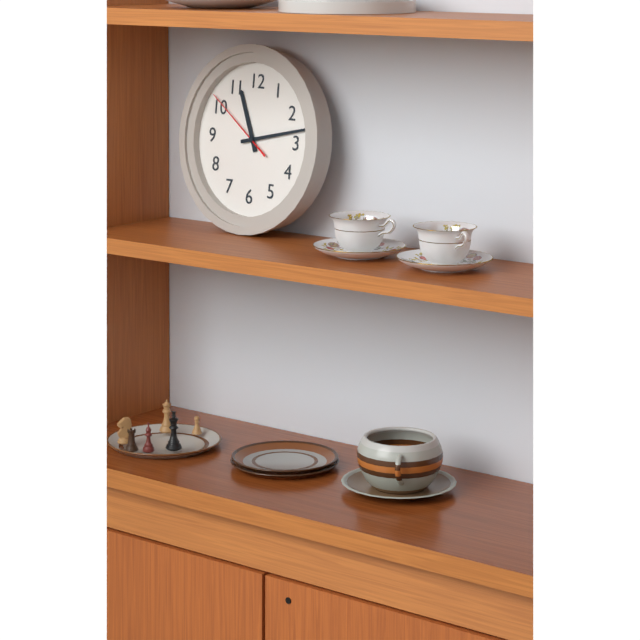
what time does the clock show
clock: 11:13:51
